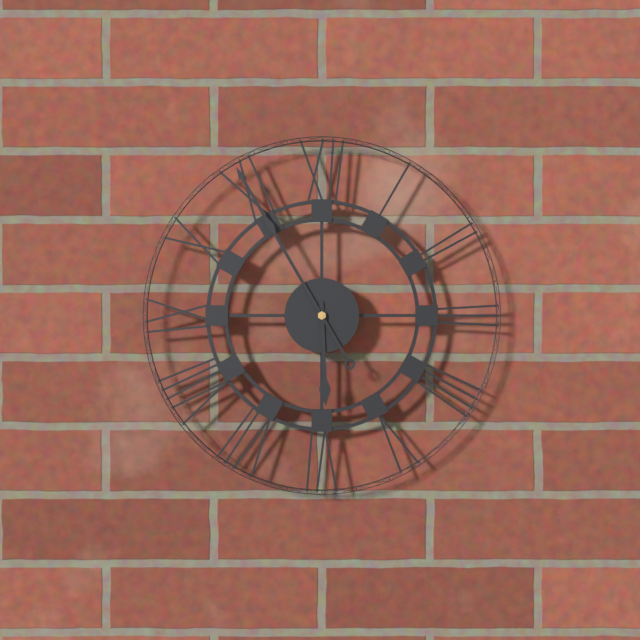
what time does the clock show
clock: 5:55
